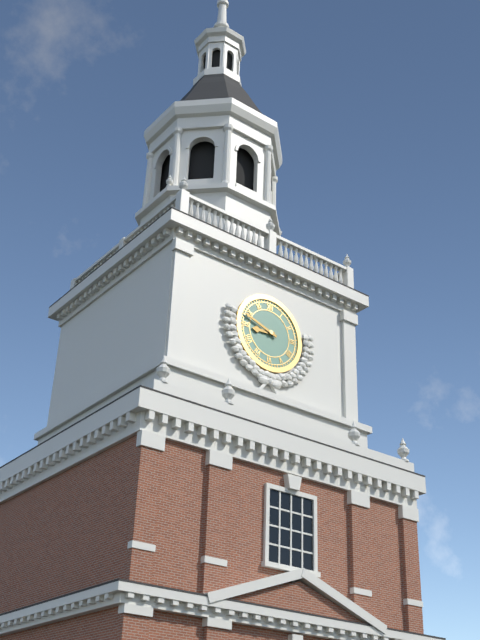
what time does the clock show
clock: 8:48
